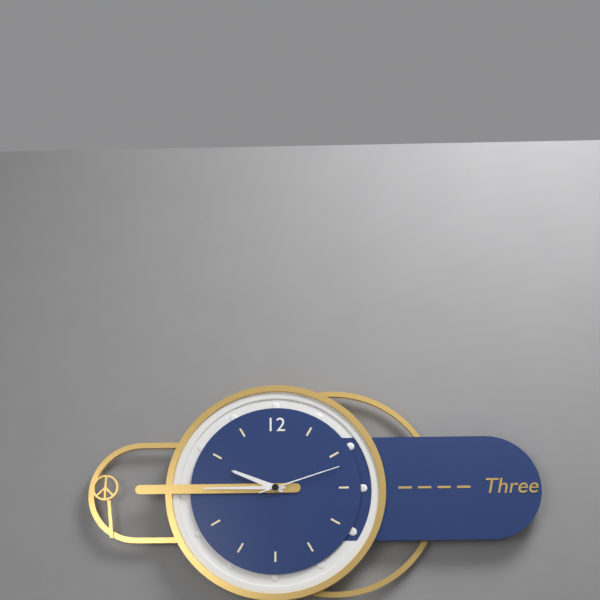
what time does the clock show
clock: 9:45:12
